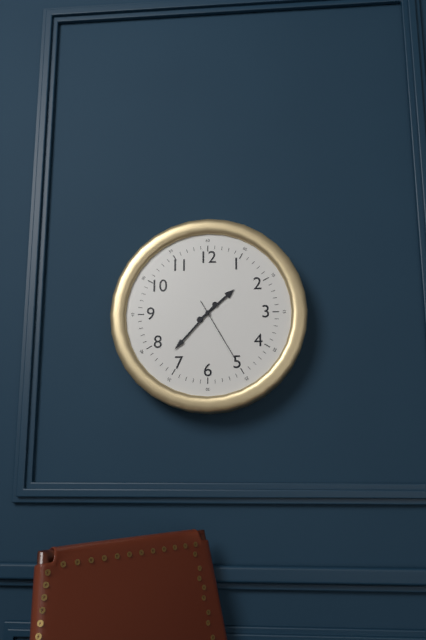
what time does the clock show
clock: 1:37:25
